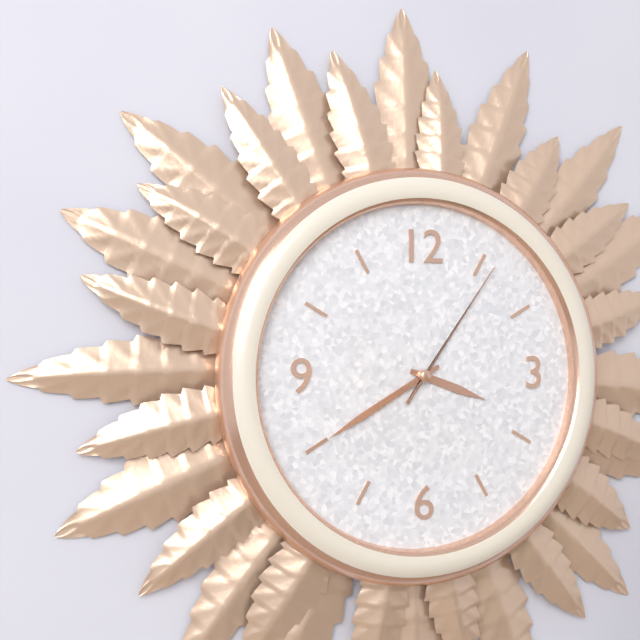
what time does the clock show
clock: 3:40:06
